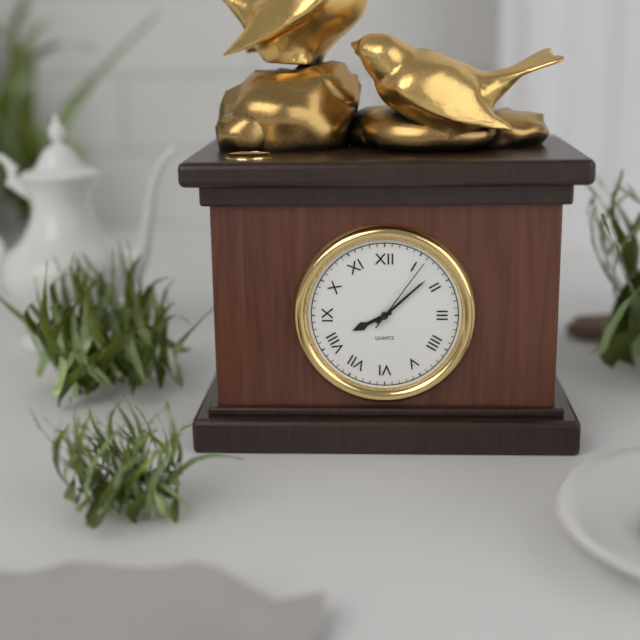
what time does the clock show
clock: 8:08:06
